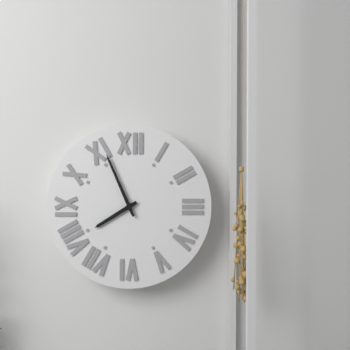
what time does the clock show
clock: 7:56
